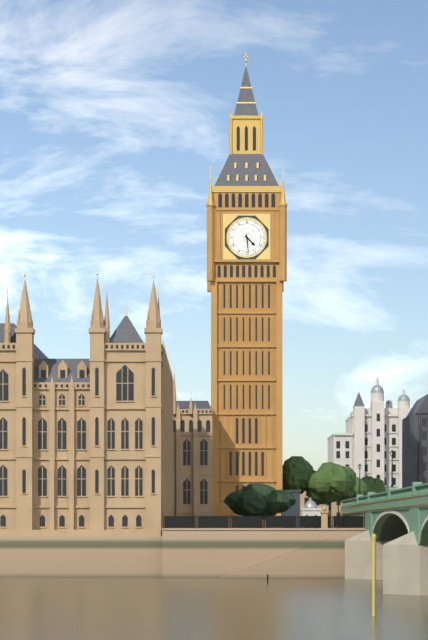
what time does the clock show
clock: 4:29
